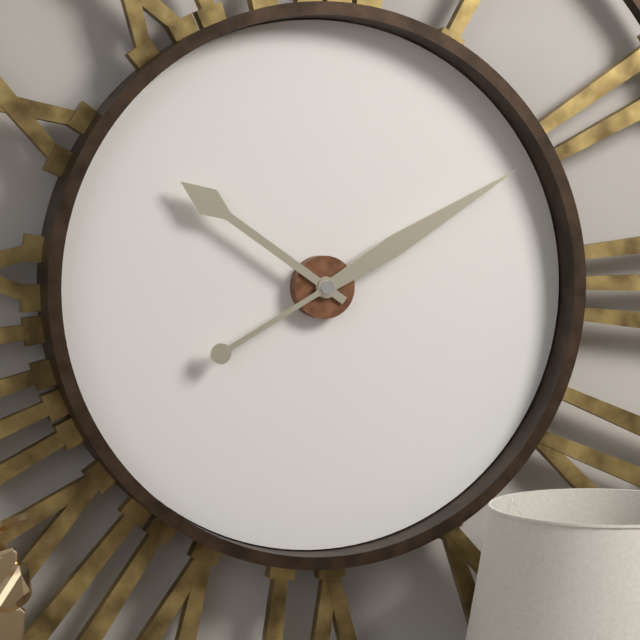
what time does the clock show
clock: 10:10
